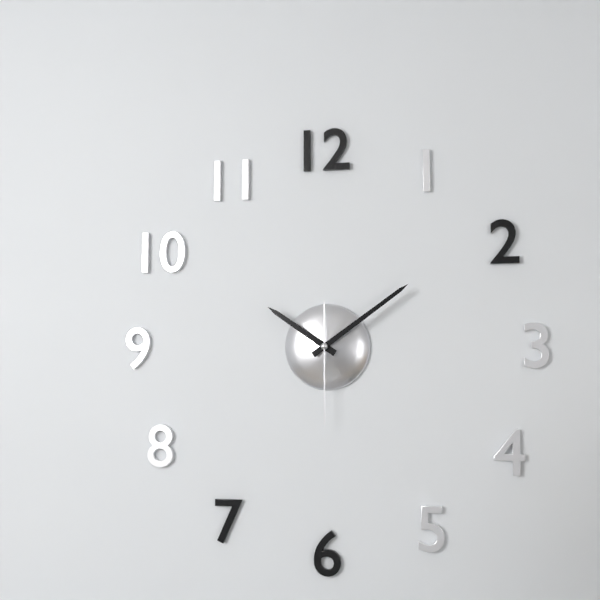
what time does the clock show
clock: 10:09:30
